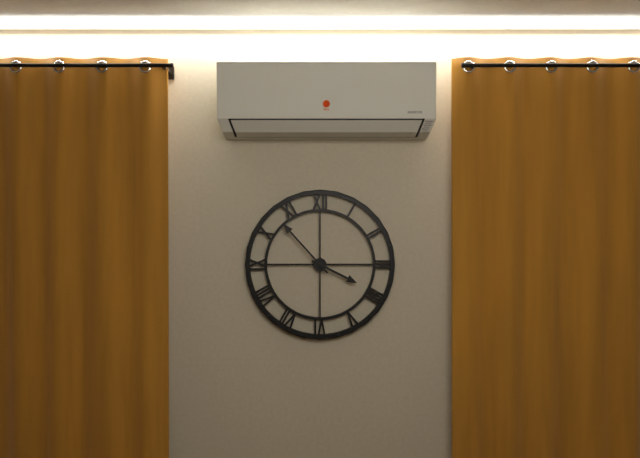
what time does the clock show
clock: 3:53
